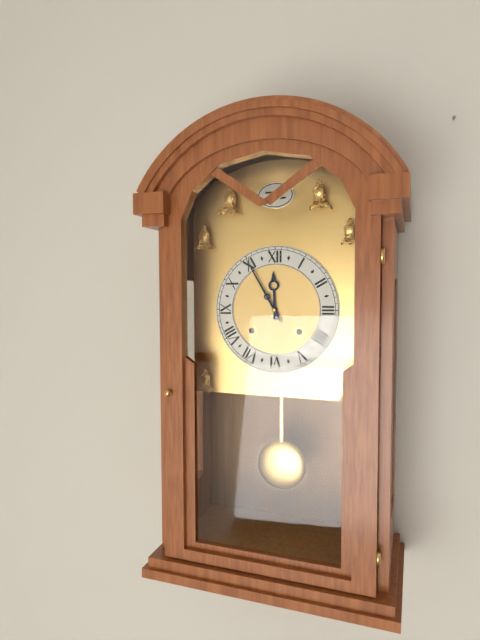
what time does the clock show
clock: 11:55
